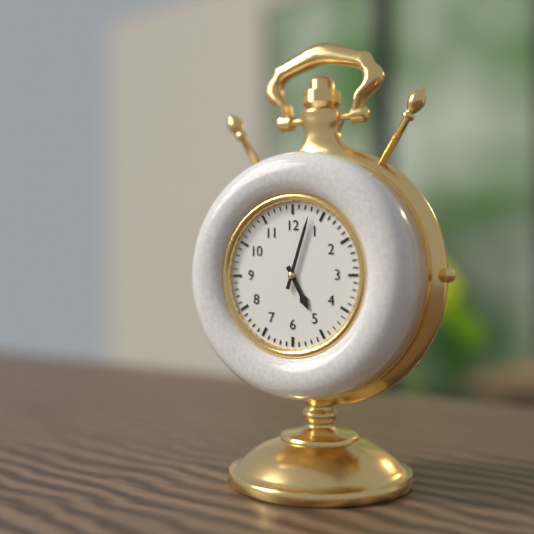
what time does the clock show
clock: 5:03
